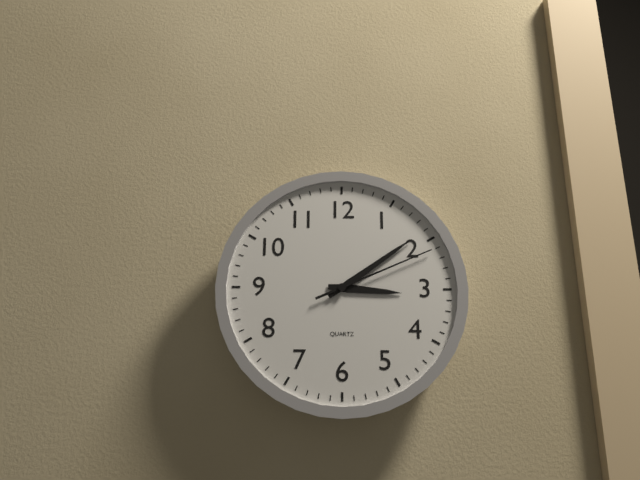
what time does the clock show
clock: 3:09:11
